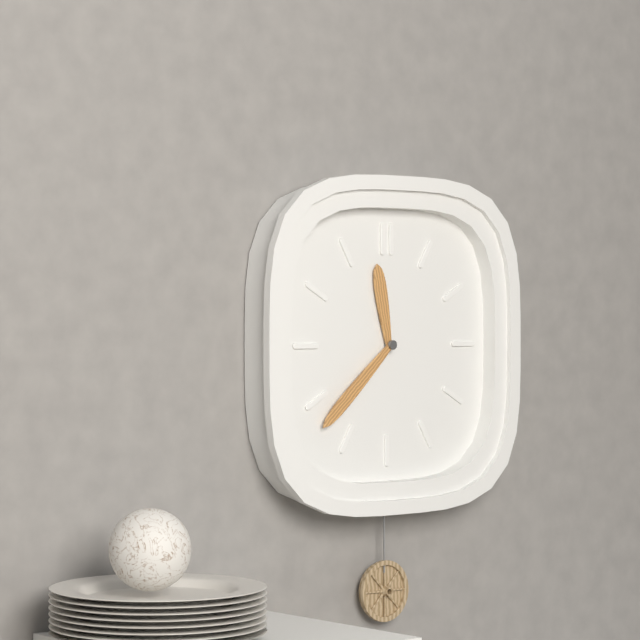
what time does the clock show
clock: 11:38
